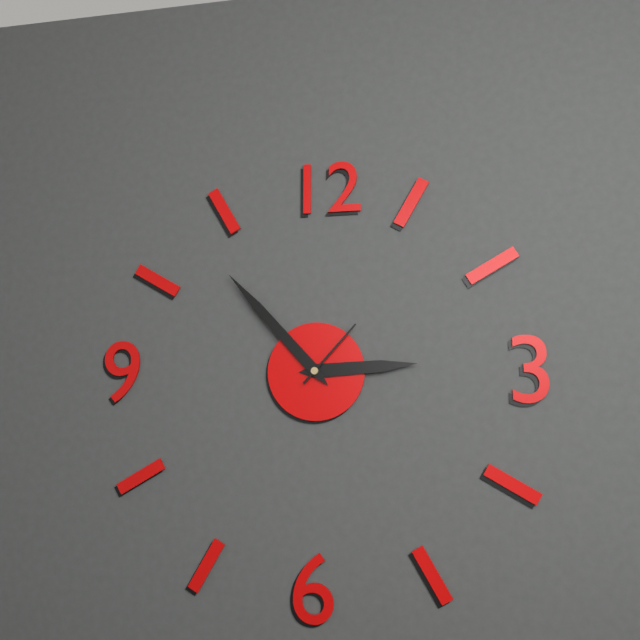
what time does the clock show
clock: 2:53:07
